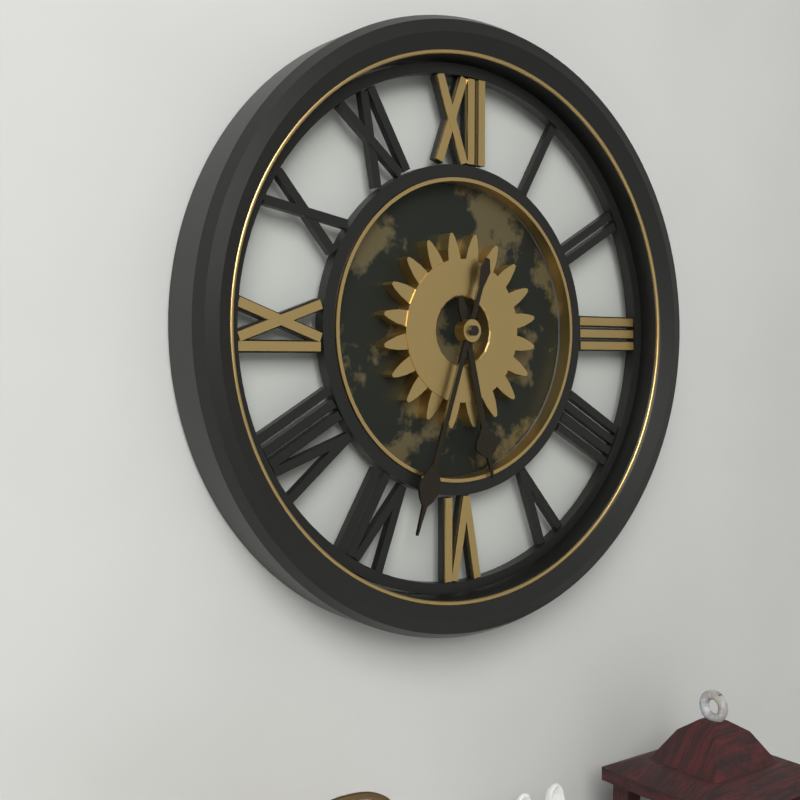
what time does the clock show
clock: 5:33
